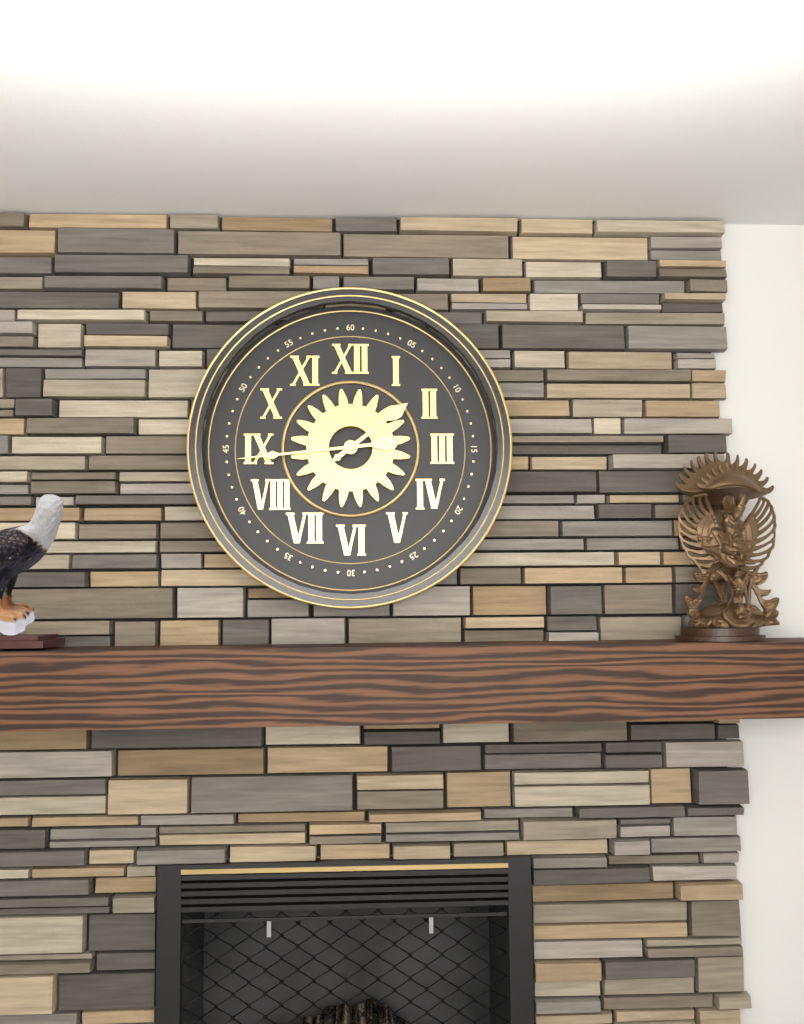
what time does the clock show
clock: 1:44
